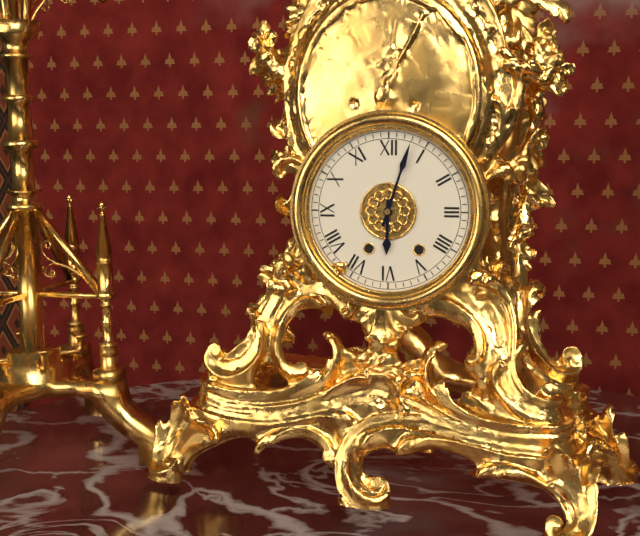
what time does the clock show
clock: 6:03
